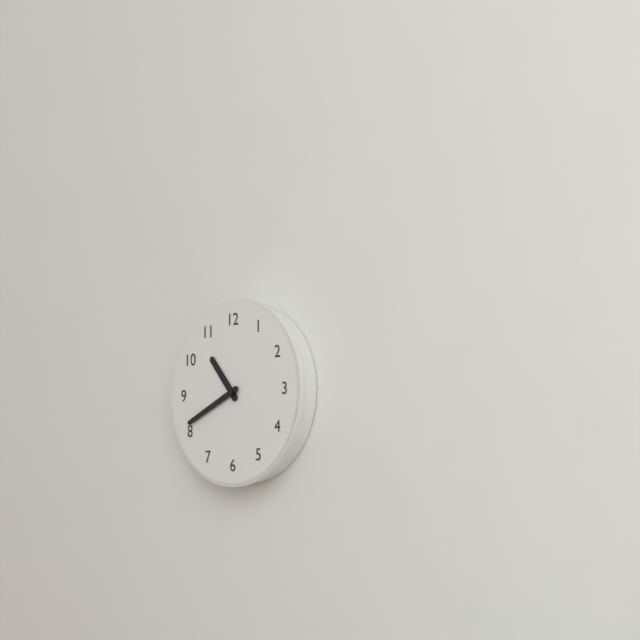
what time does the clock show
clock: 10:41
